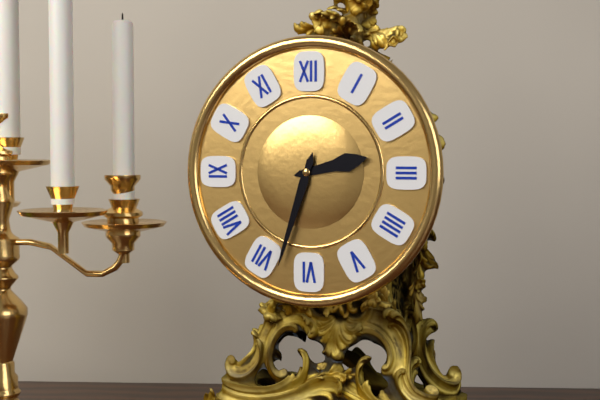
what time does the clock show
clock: 2:33
